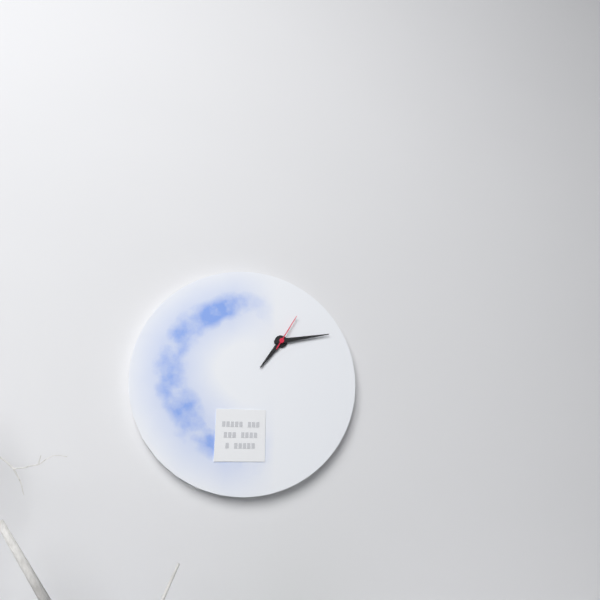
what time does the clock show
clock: 7:13
